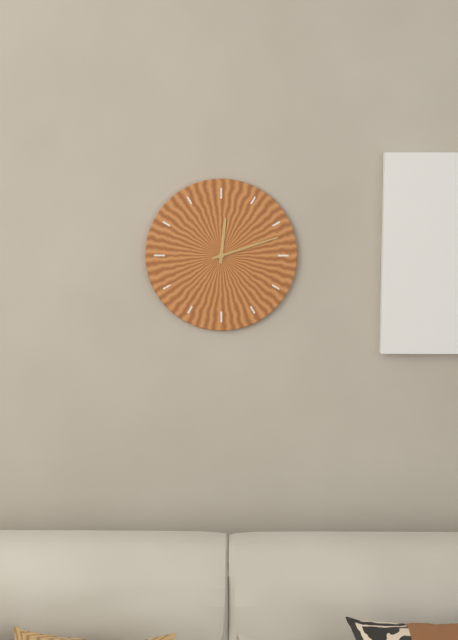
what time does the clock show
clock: 12:12
